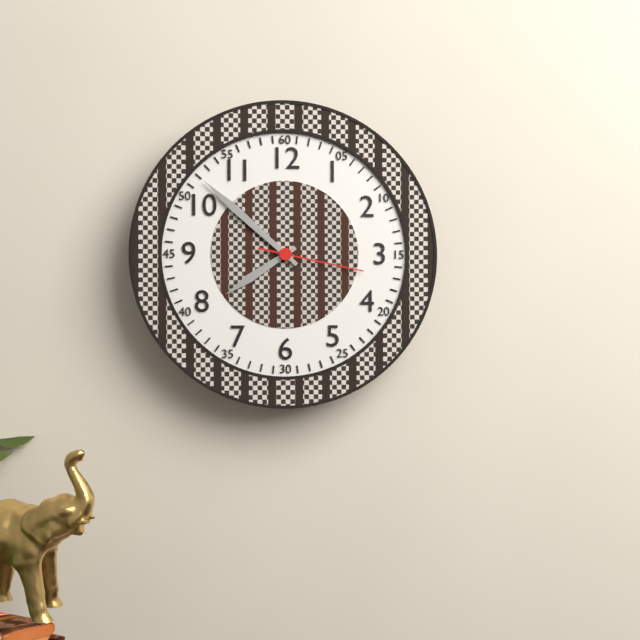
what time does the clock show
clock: 7:52:17
